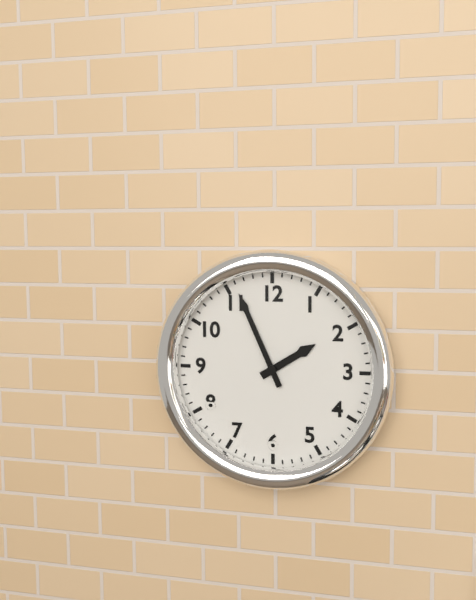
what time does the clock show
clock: 1:56
